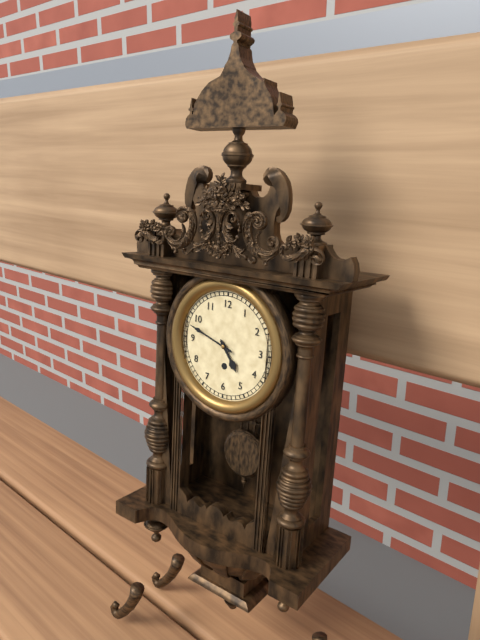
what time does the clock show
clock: 4:48
